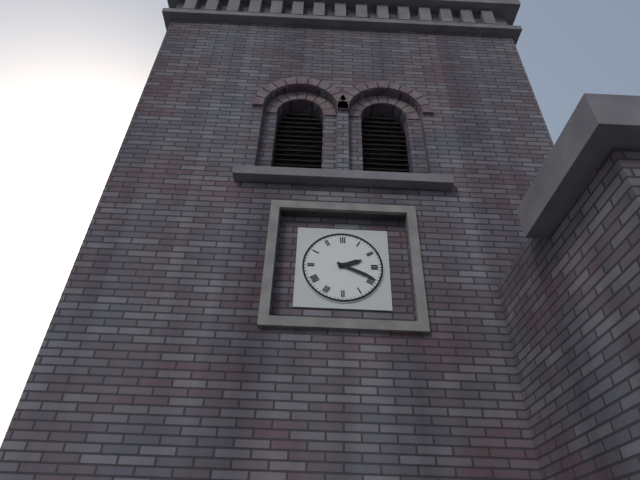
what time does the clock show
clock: 2:19
